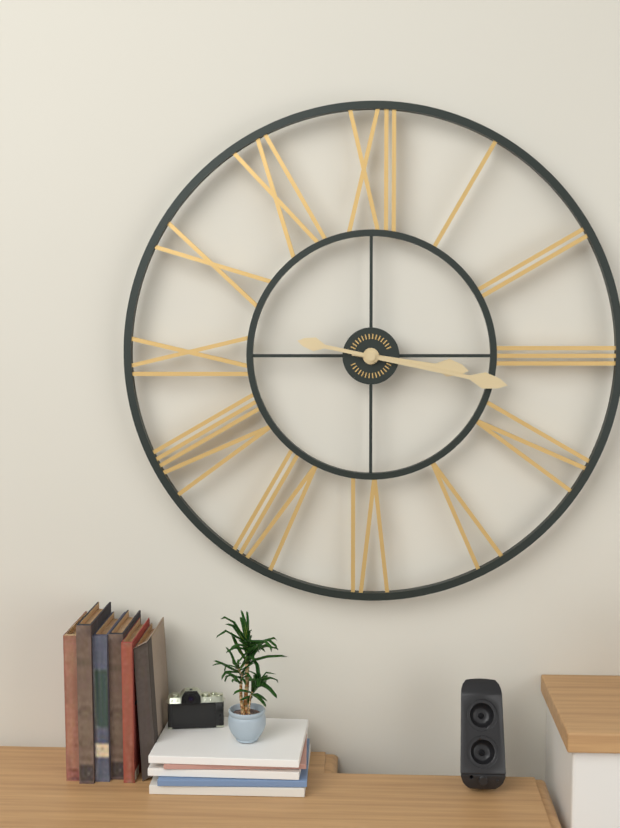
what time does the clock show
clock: 3:17
